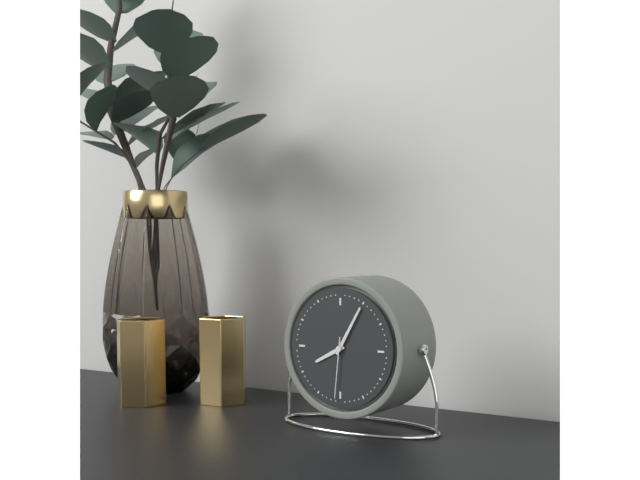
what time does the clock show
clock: 8:05:31
